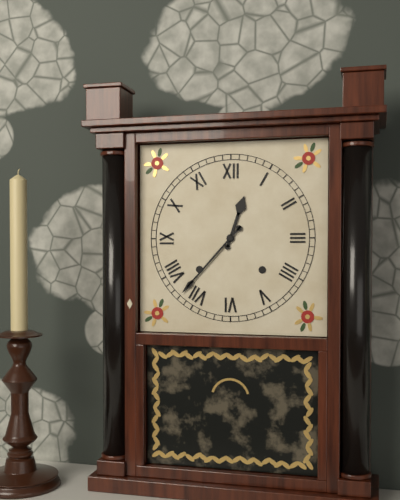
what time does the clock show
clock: 12:37
